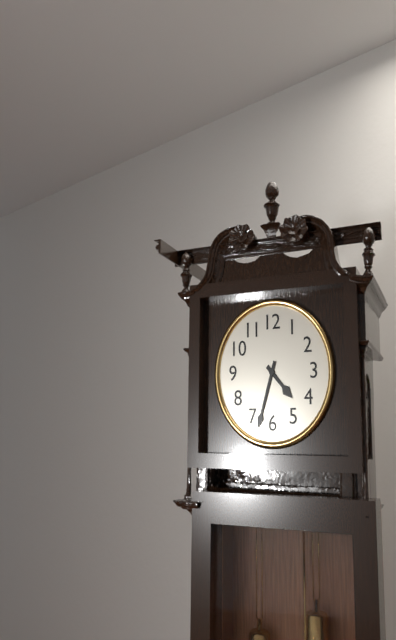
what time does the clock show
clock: 4:33
